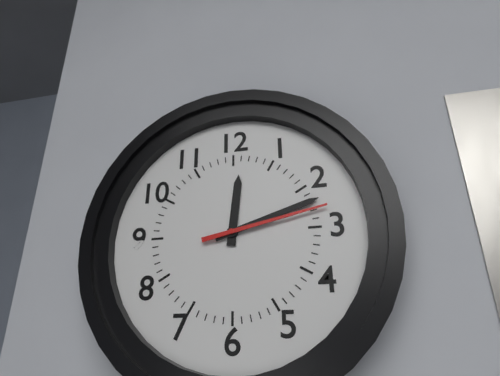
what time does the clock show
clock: 12:12:13
